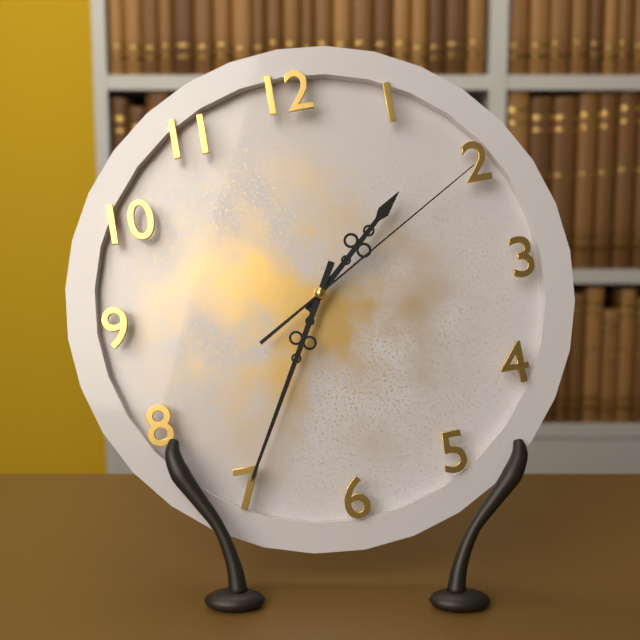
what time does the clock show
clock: 1:35:10
